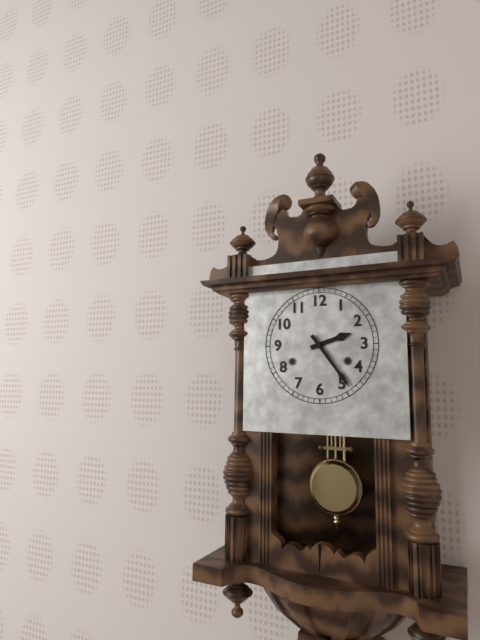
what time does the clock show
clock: 2:24
